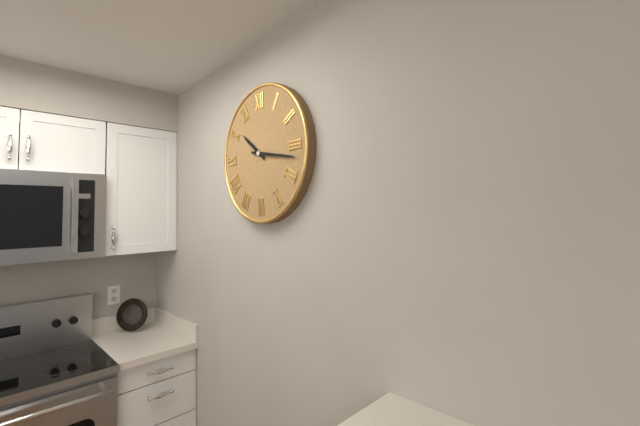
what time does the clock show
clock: 10:17
